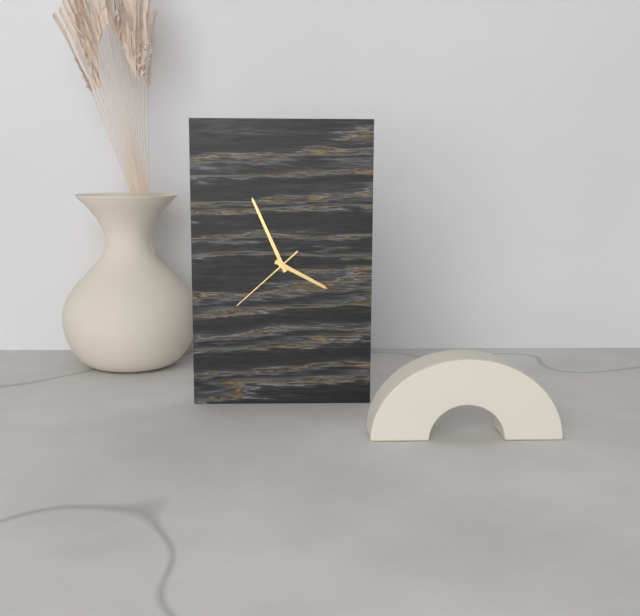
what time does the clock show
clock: 3:56:38
